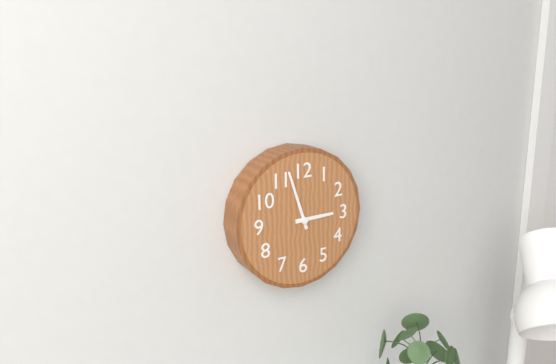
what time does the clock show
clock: 2:57
